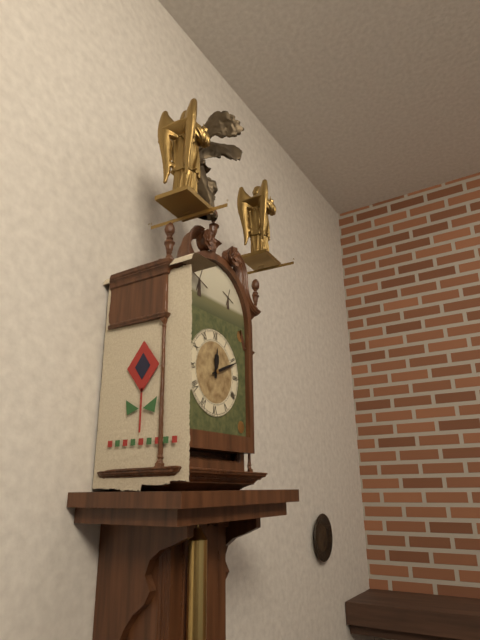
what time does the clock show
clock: 12:11
